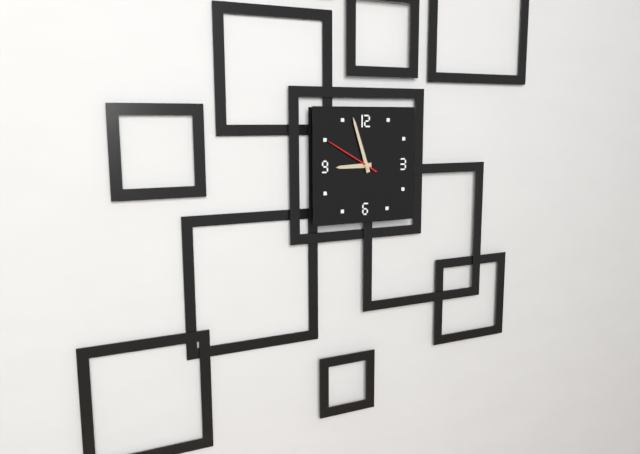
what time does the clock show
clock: 8:57:50
